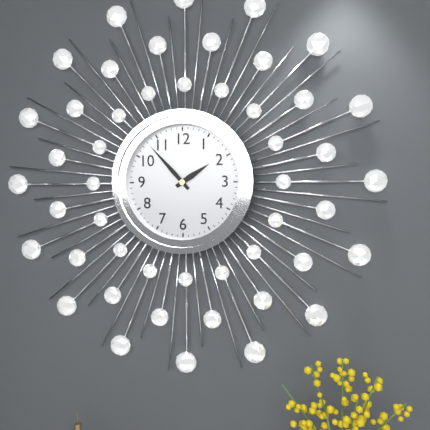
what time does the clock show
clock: 1:53
